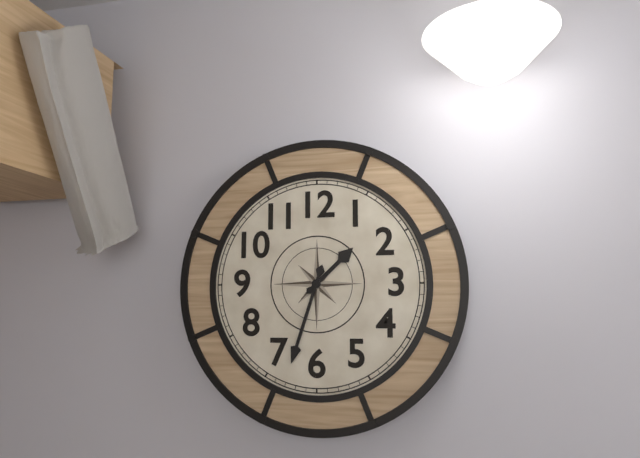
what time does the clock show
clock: 1:33
